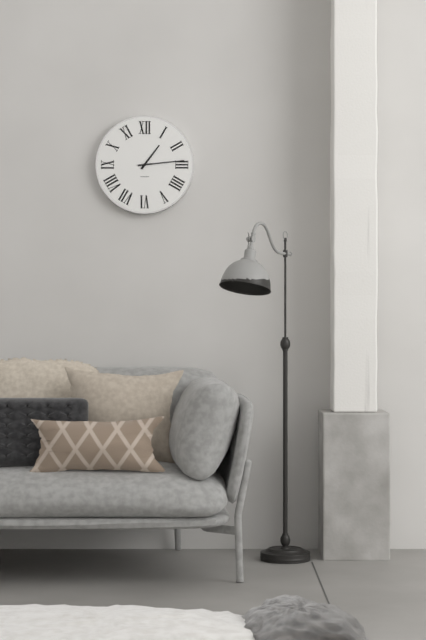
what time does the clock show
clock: 1:14
